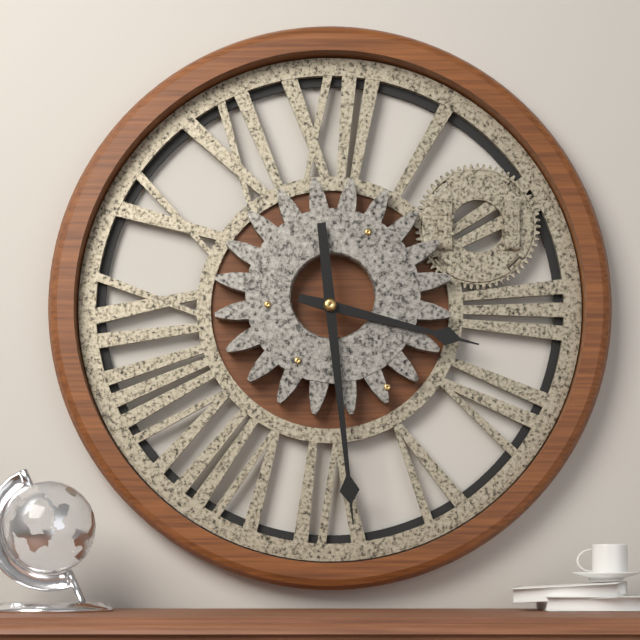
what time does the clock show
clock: 3:29
